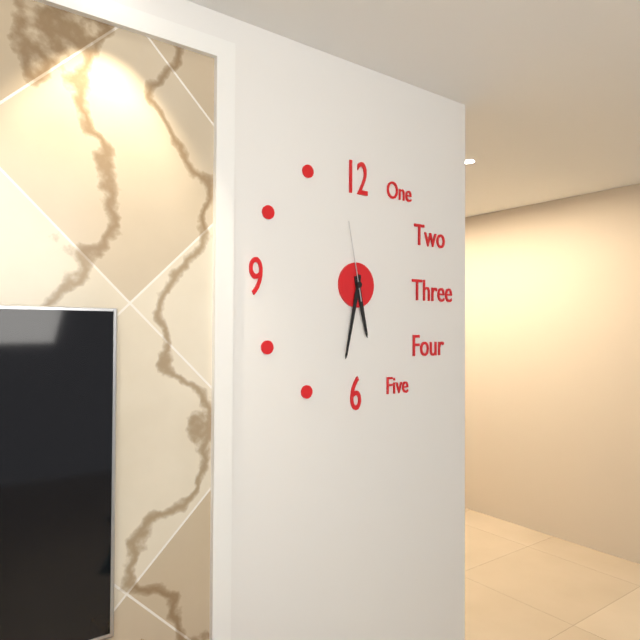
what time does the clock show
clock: 5:32:58
